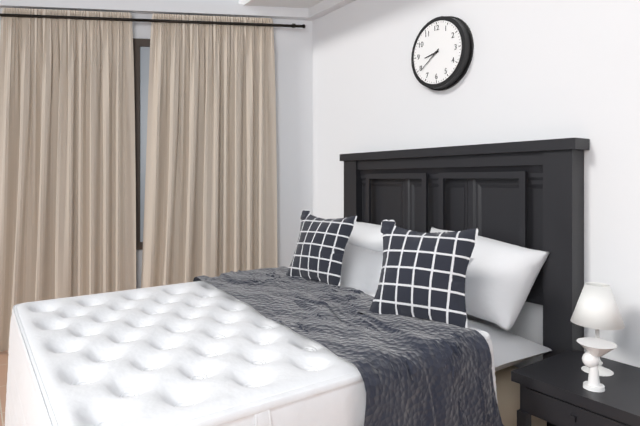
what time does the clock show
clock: 8:39
